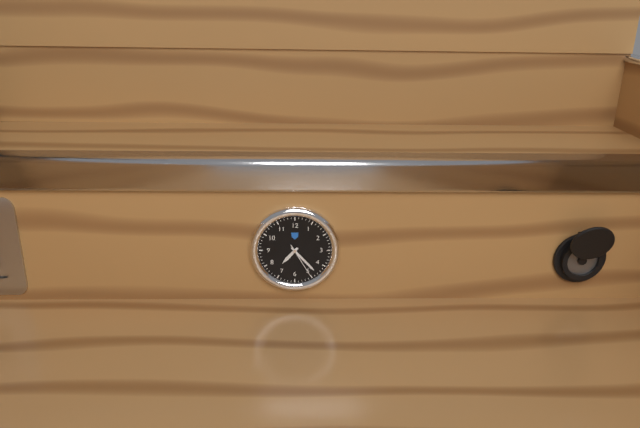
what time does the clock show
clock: 7:23
